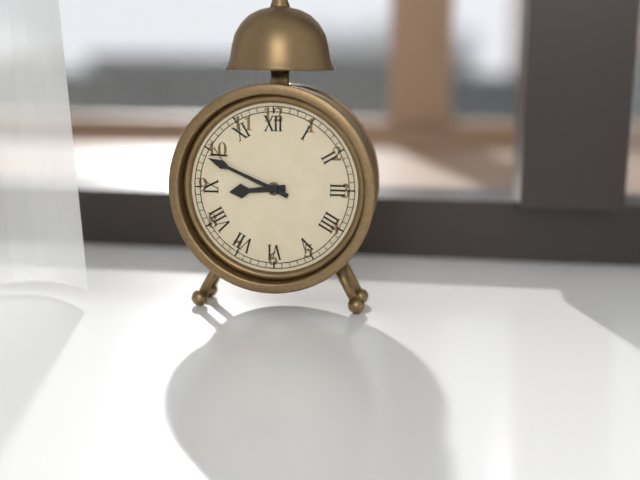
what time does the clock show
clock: 8:49
